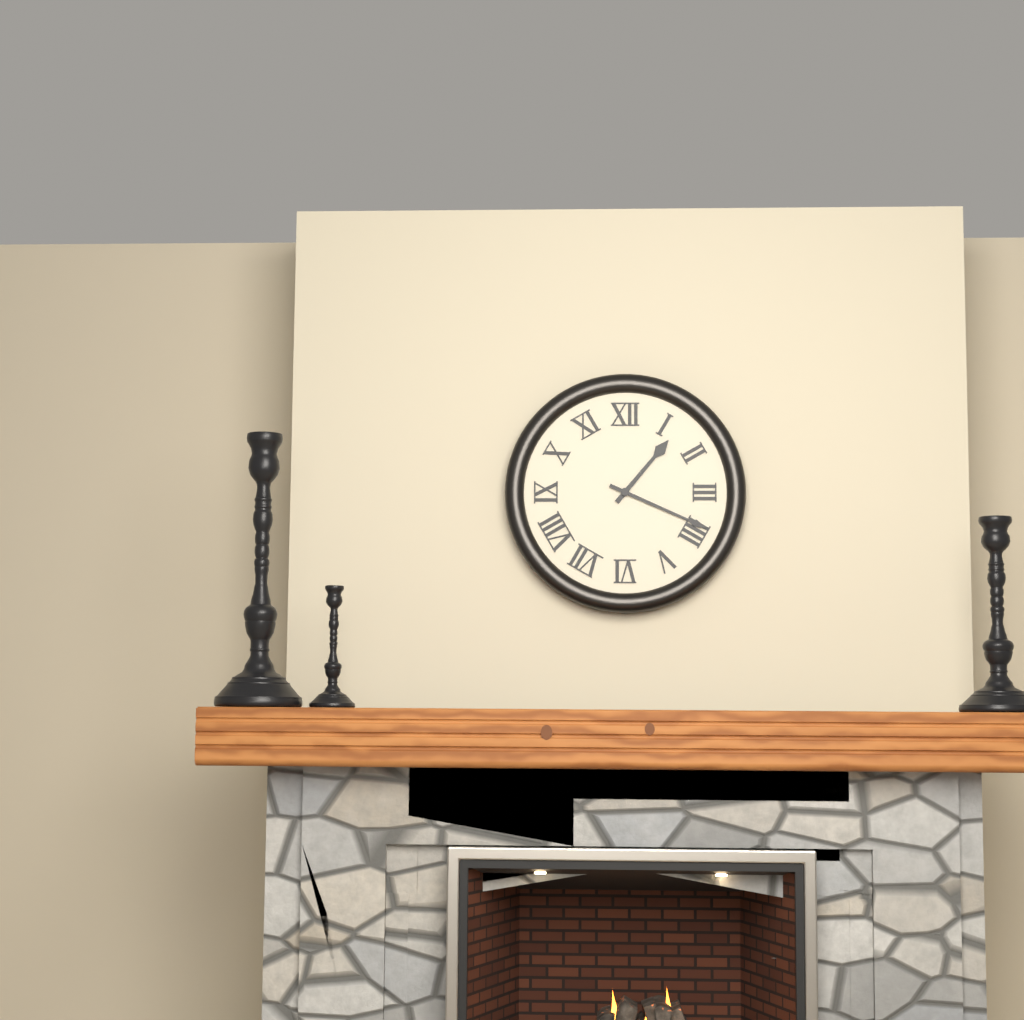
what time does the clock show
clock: 1:19
